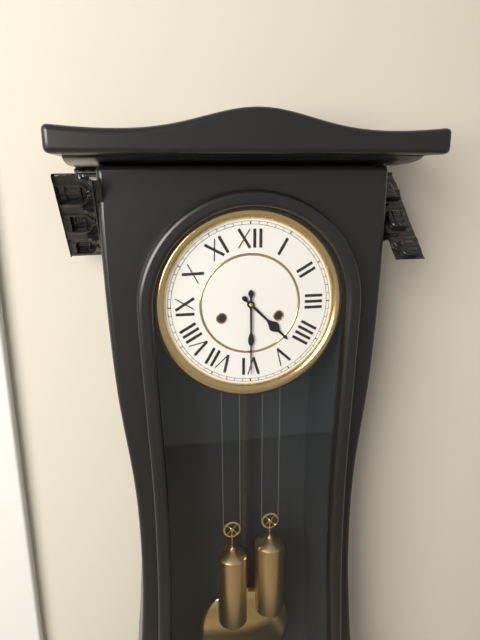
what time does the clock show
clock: 4:30
